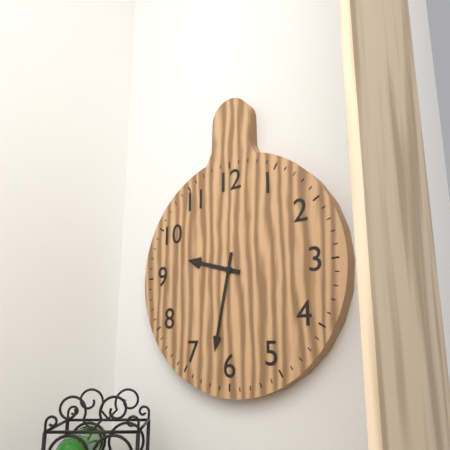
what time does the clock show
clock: 9:32
